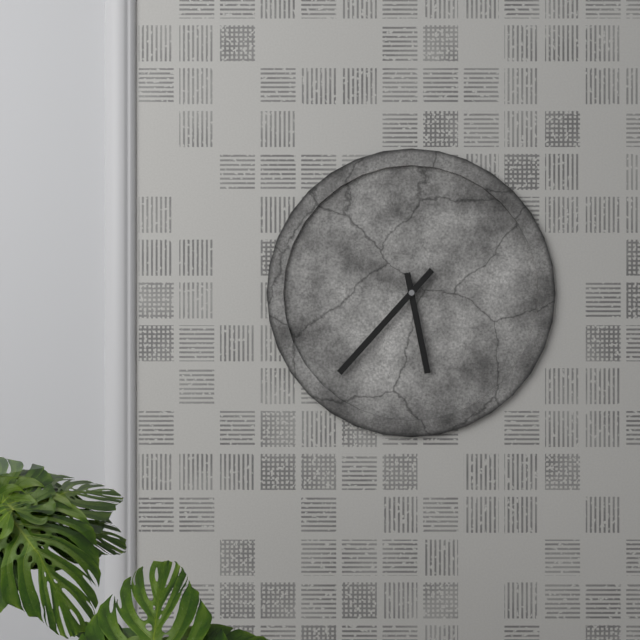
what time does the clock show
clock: 5:37
